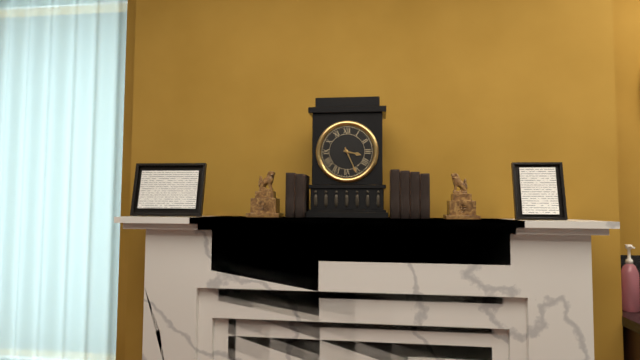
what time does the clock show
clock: 3:26
